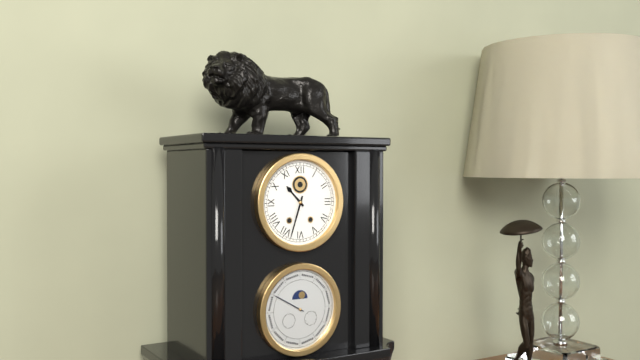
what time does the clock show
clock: 10:33
